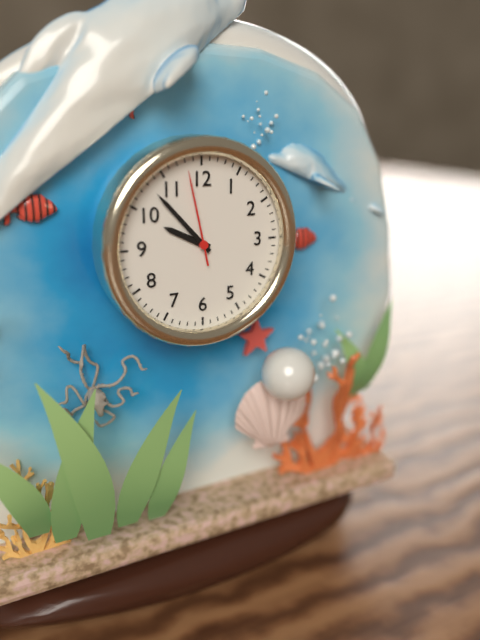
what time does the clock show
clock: 9:53:58
